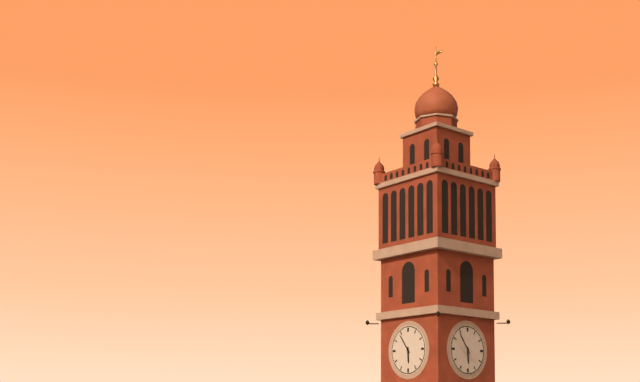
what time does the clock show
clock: 5:54
